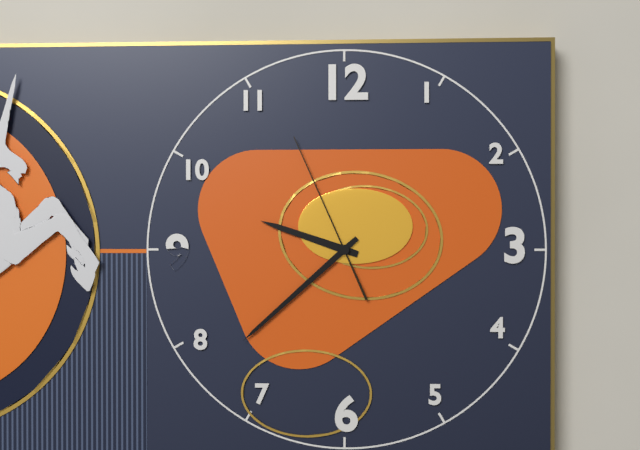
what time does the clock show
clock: 9:38:56
